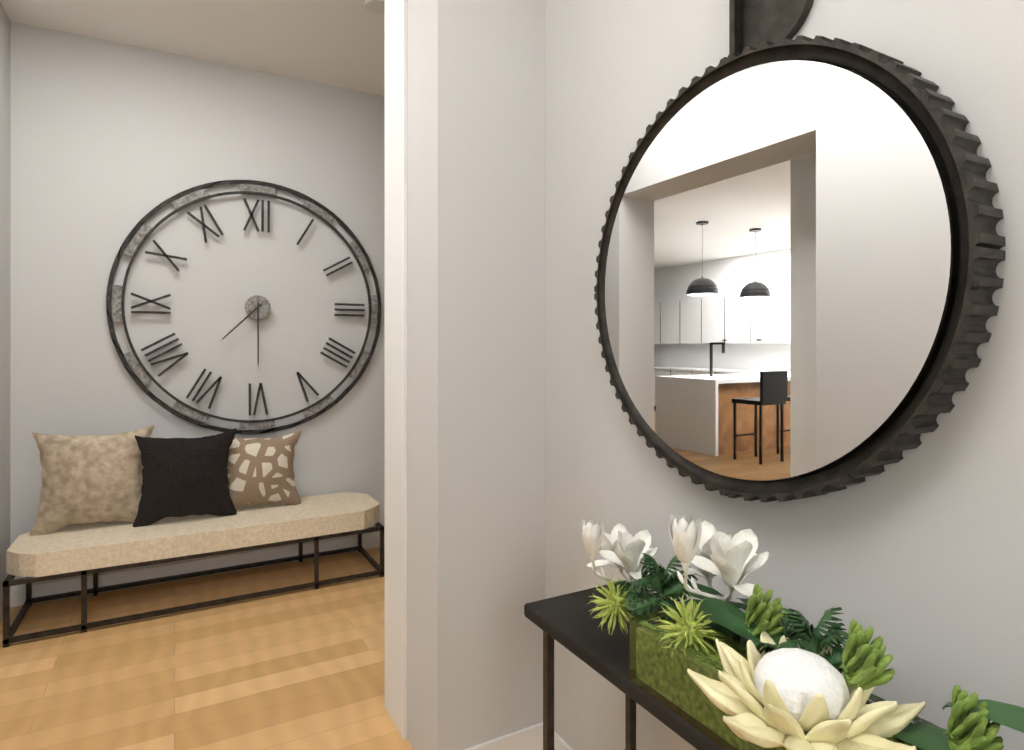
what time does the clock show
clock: 7:30
